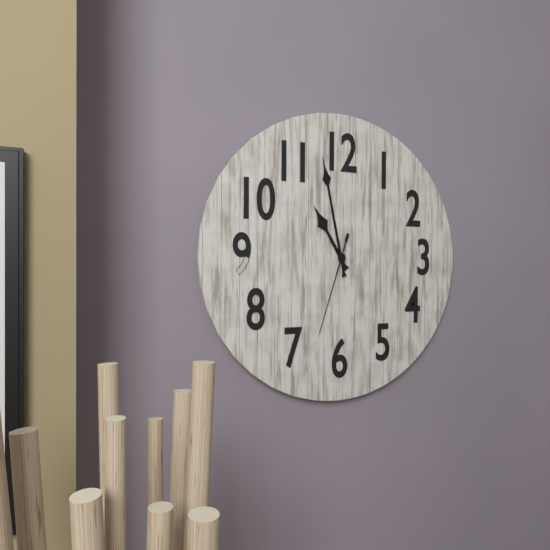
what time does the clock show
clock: 10:58:33
